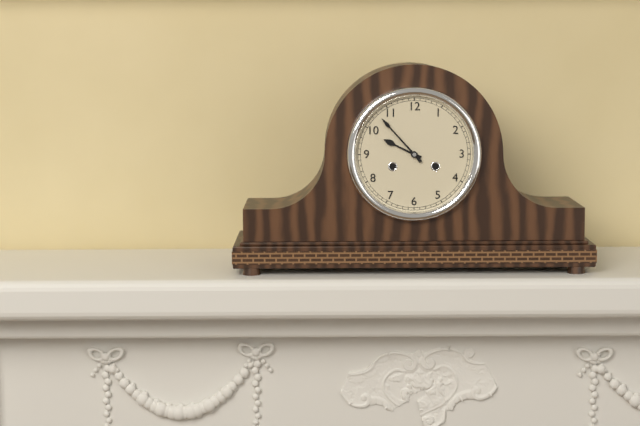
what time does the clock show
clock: 9:53
